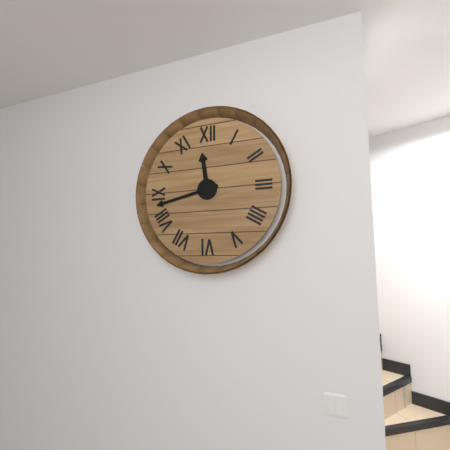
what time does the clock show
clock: 11:43
